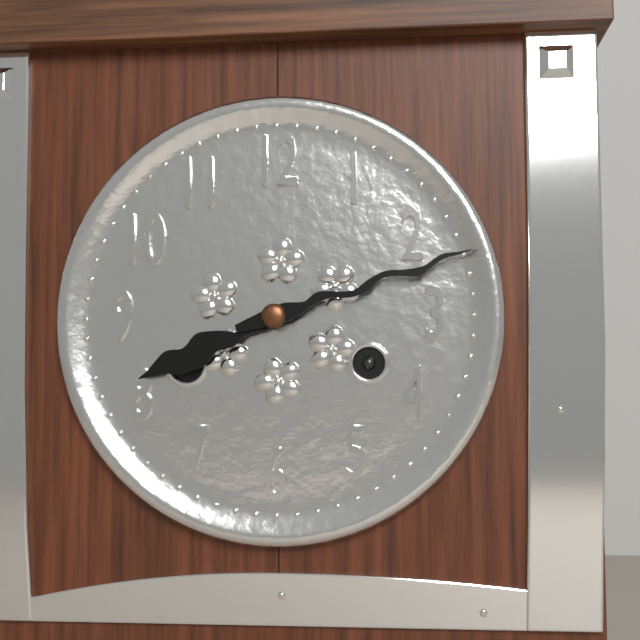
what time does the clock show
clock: 8:12
